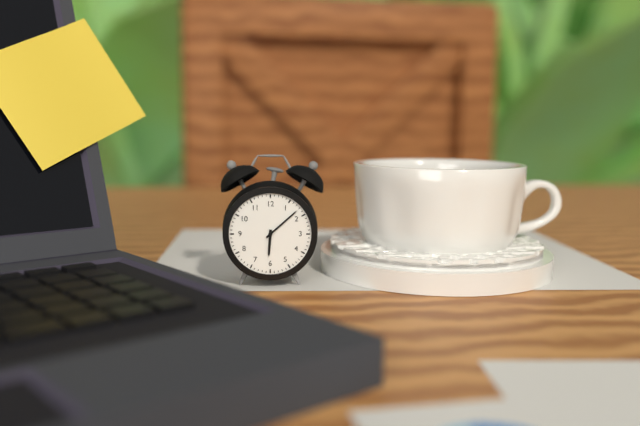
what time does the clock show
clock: 6:08
